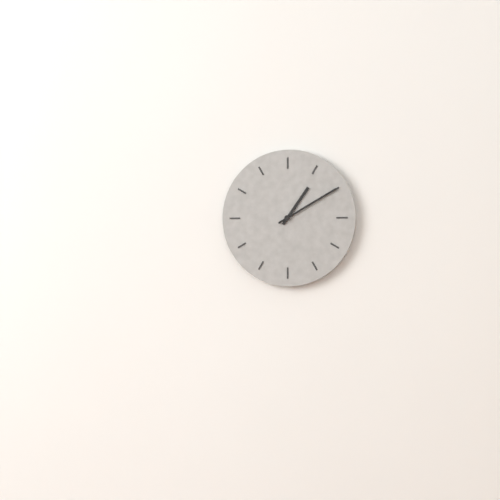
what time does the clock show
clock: 1:10
